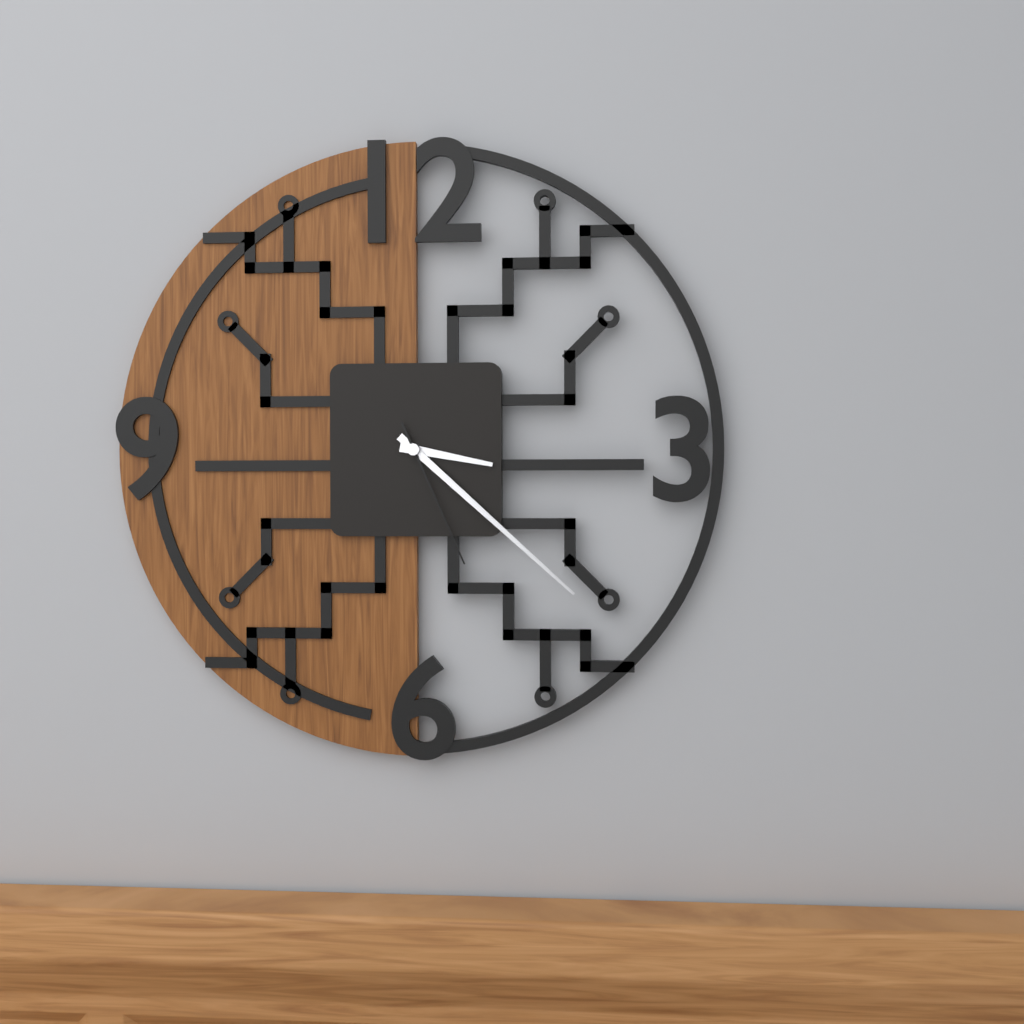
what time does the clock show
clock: 3:22:26
